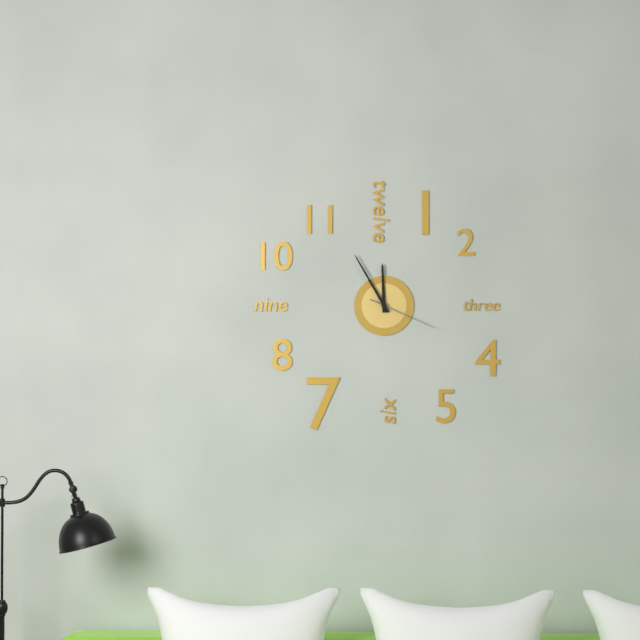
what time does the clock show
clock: 11:55:19
